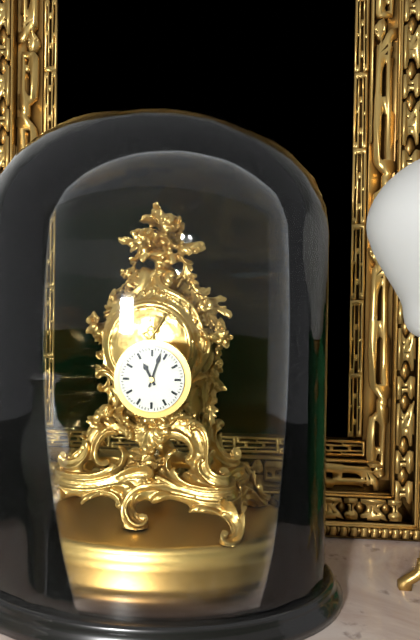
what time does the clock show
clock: 11:03
